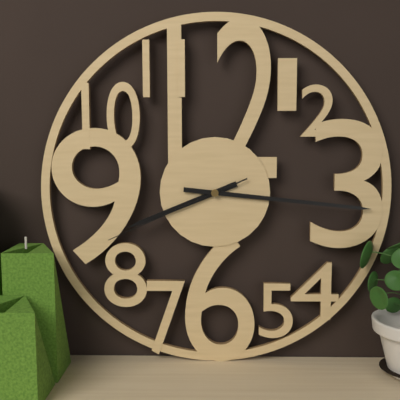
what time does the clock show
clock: 8:16:41
